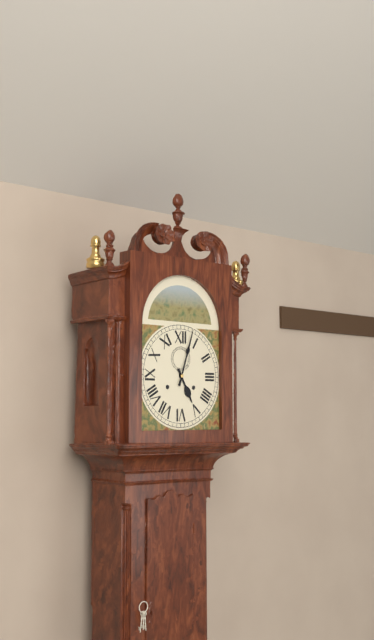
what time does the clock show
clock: 5:03
